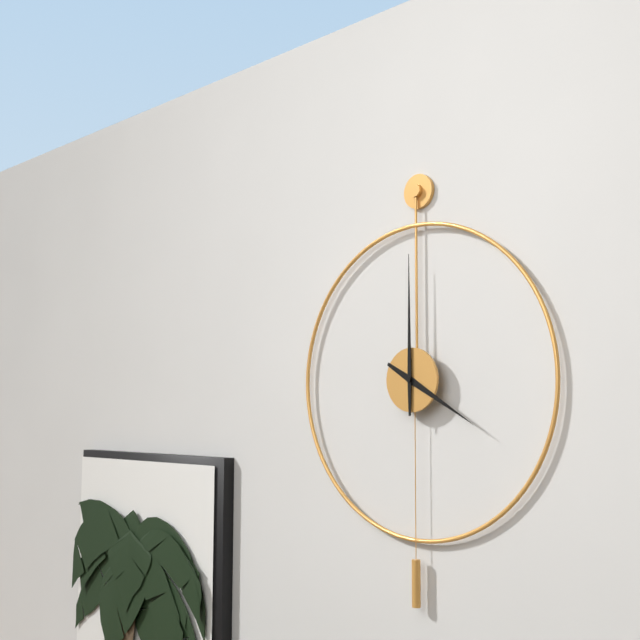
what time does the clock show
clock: 4:00
